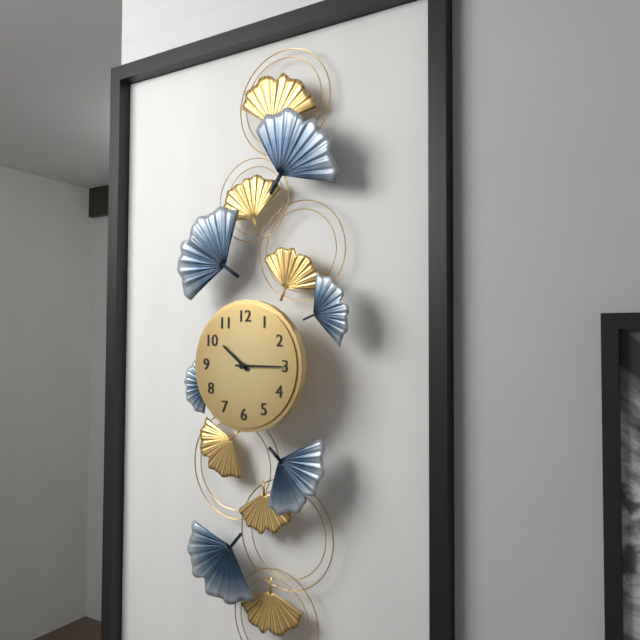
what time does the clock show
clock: 10:15
